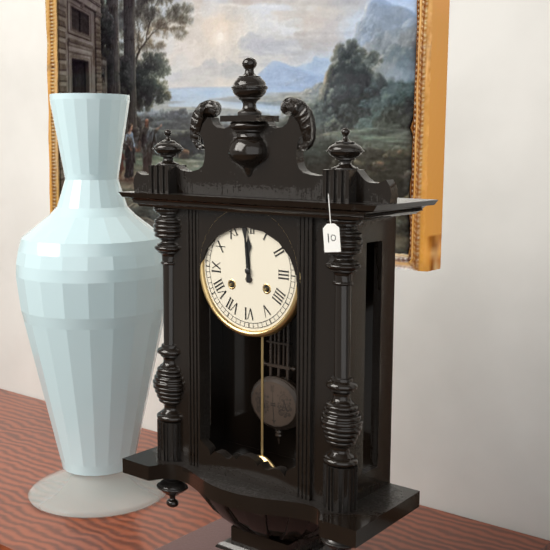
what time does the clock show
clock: 11:59
